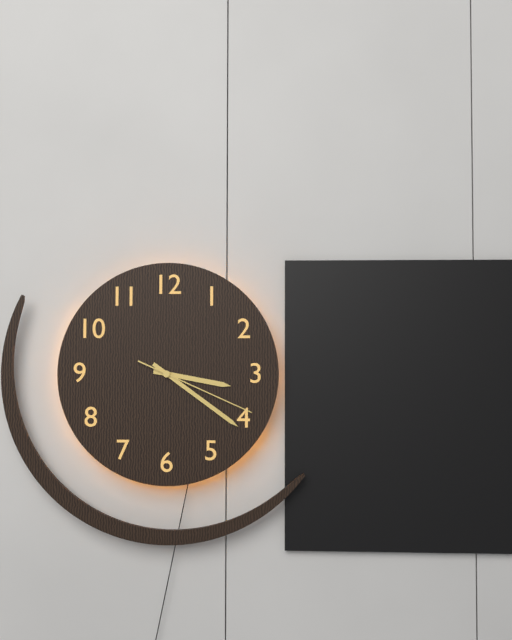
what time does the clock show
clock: 3:21:19
